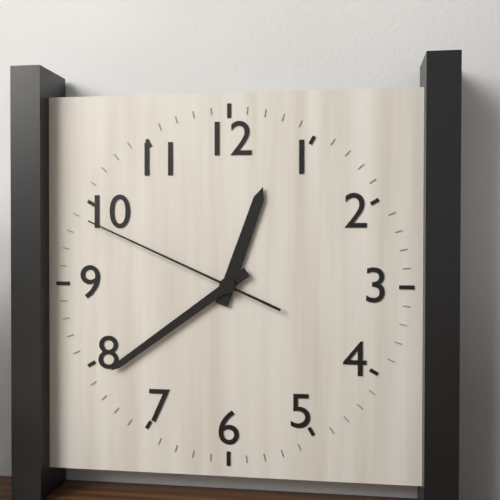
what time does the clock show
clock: 12:39:49
